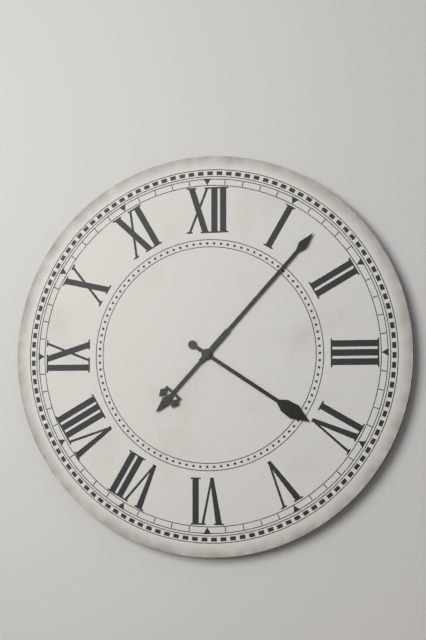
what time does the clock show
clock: 4:07
